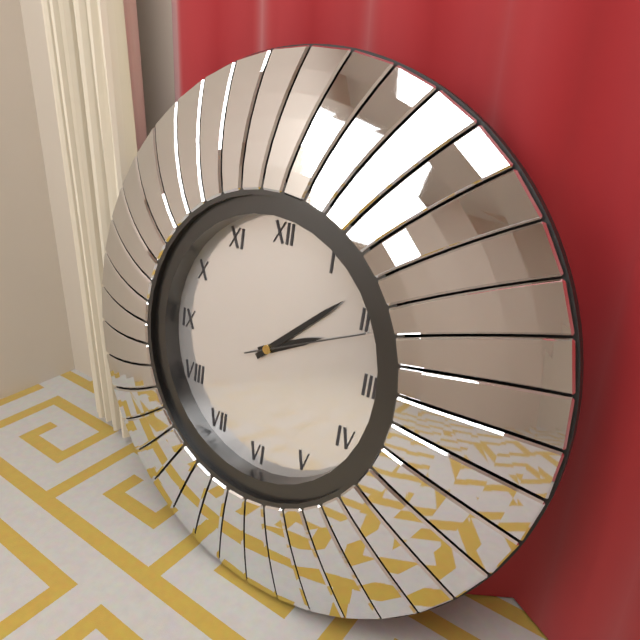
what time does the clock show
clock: 2:08:11
